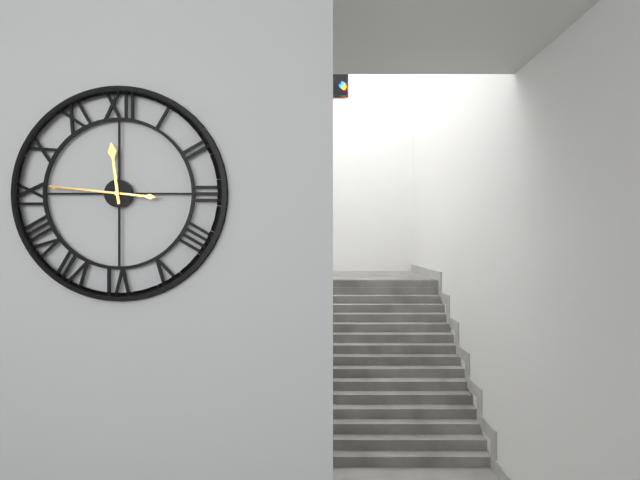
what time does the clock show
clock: 11:46
